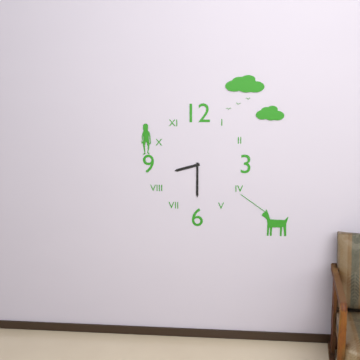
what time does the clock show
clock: 8:30
